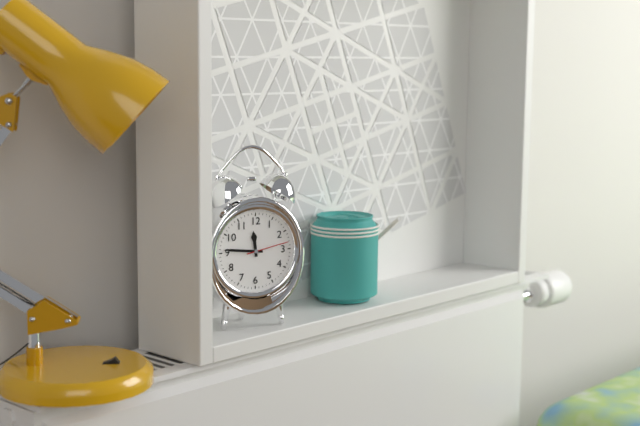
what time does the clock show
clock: 11:46
